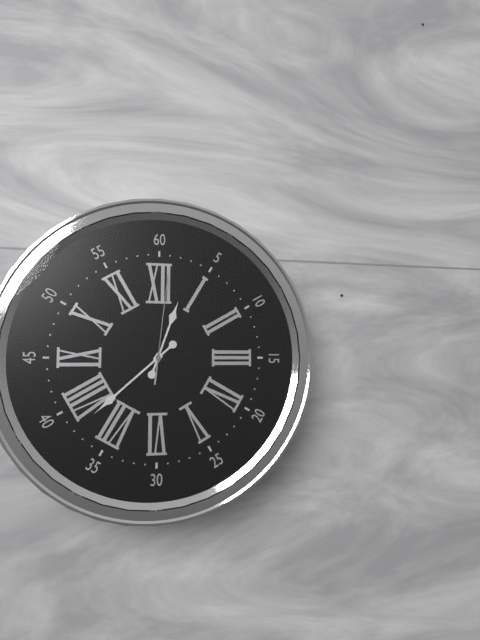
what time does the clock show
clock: 12:38:01
